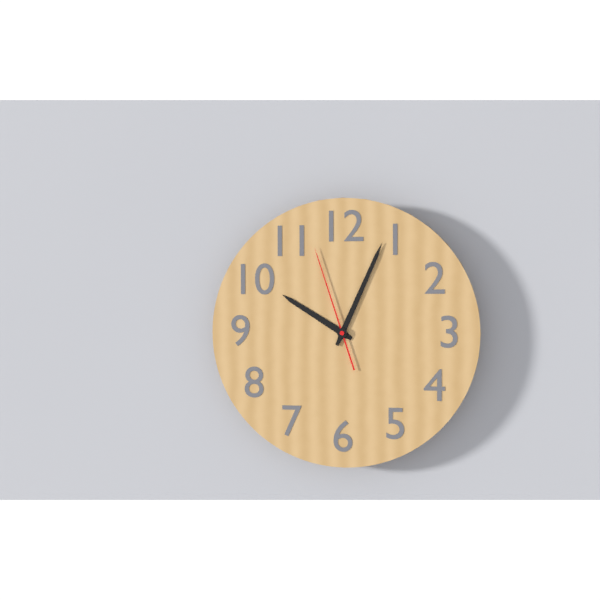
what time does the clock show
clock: 10:04:57
